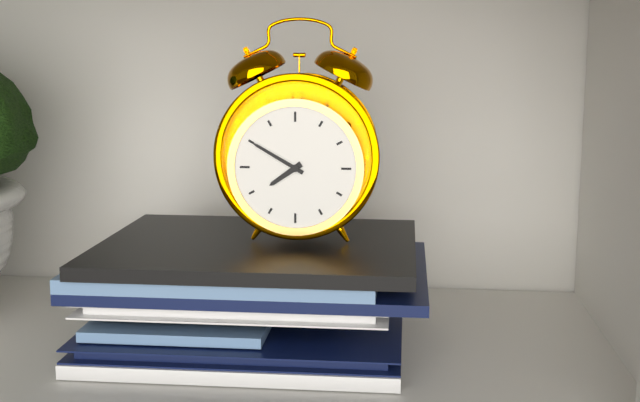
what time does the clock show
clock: 7:50
